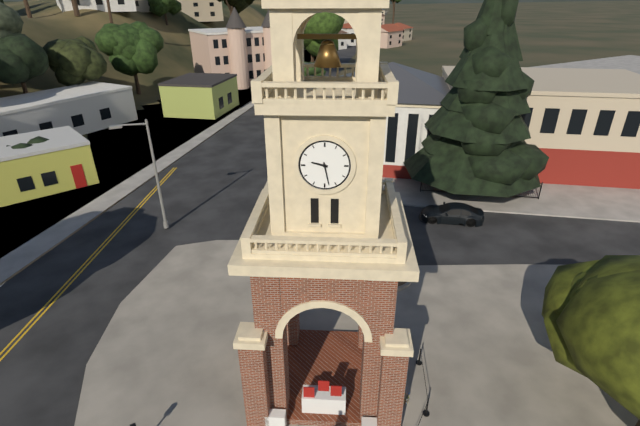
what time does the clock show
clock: 9:28
